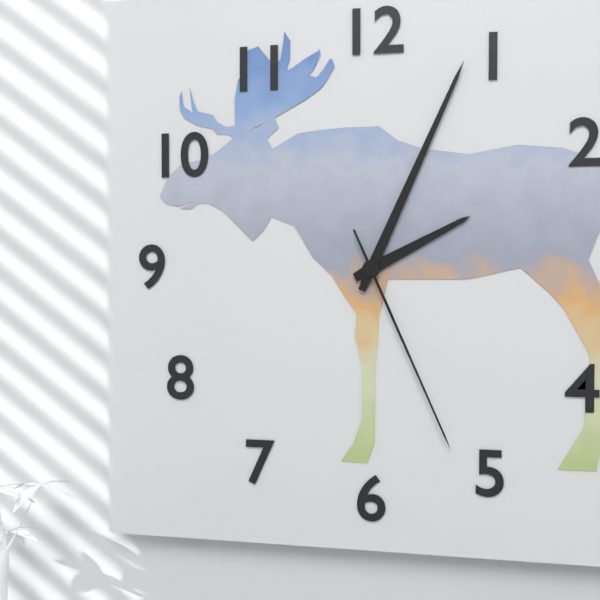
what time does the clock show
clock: 2:04:26
